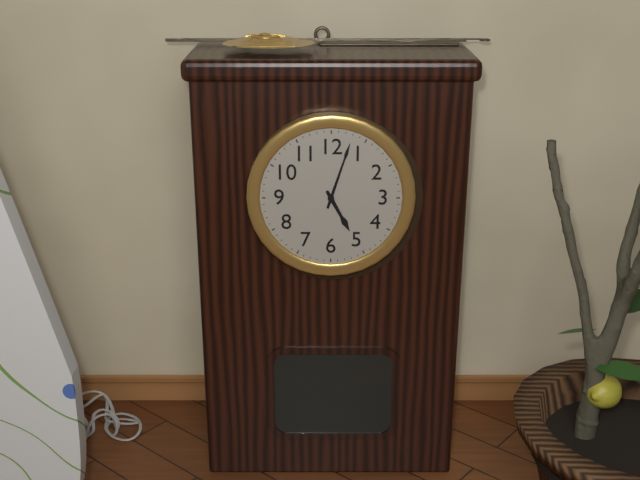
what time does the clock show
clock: 5:03
